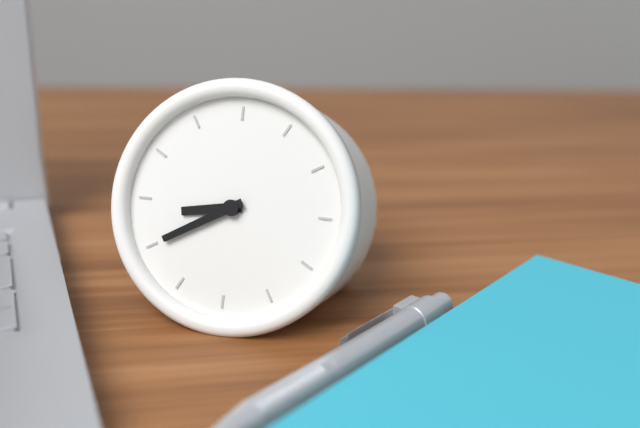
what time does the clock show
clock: 8:40
